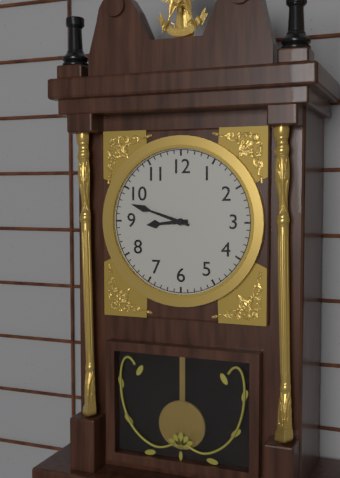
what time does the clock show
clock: 8:48
